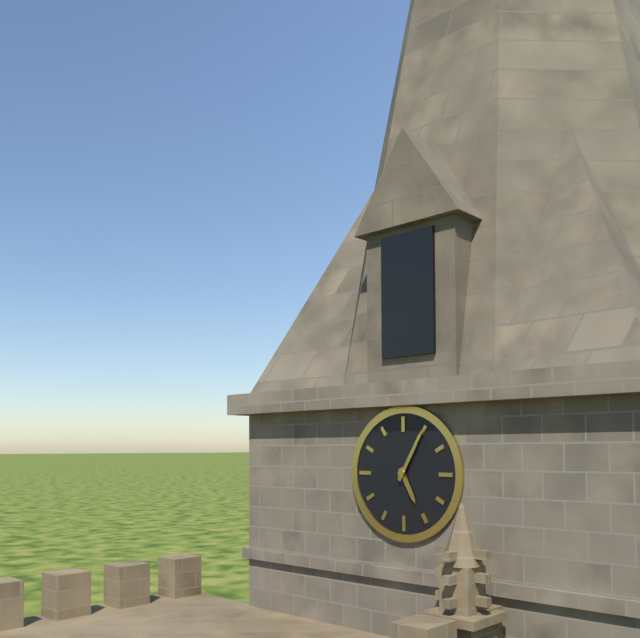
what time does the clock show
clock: 5:05
